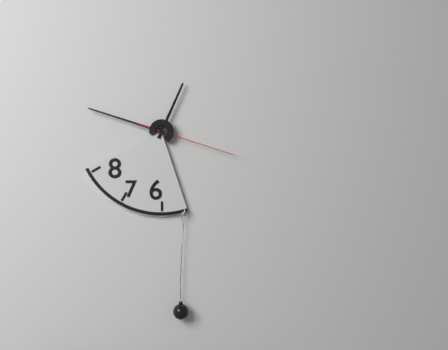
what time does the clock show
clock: 12:48:18
